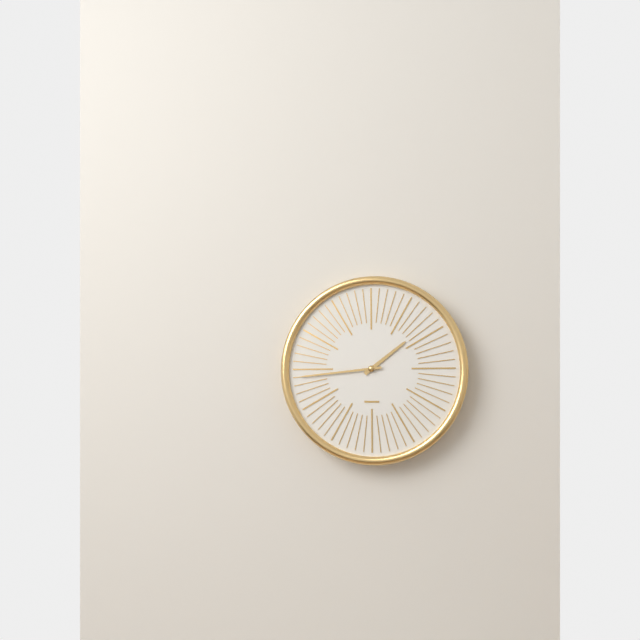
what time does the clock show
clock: 1:44
